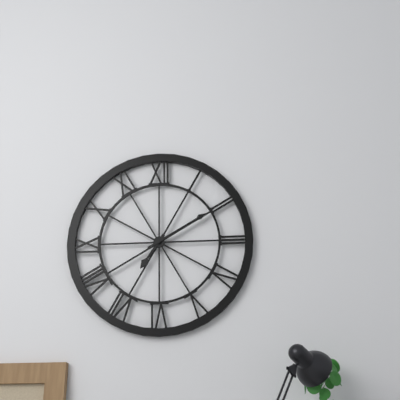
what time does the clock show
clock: 7:10
